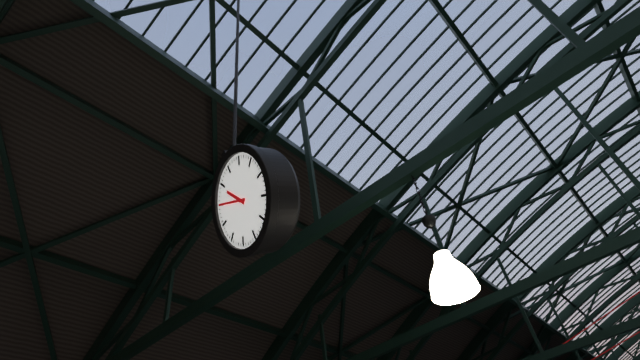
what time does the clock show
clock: 10:50
